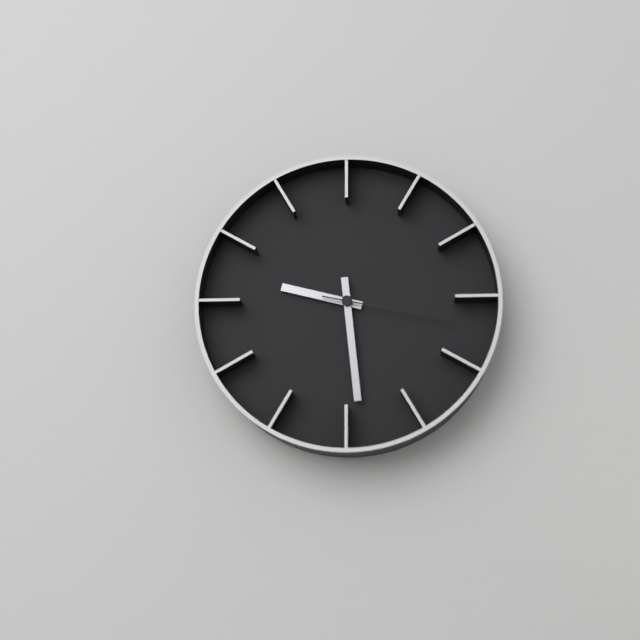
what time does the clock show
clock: 9:29:17
